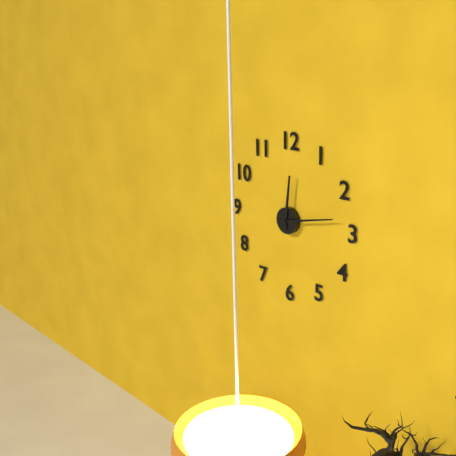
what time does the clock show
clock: 12:13
